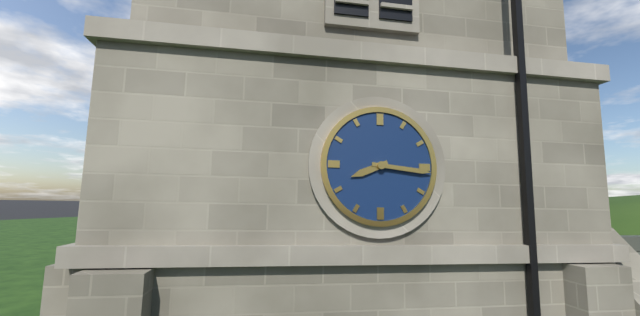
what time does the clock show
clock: 8:16
